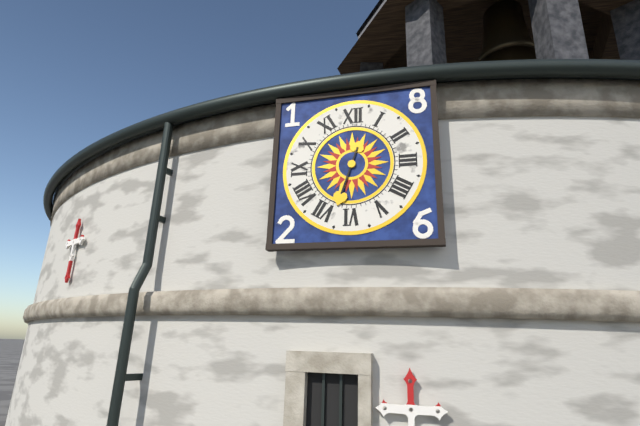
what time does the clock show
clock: 12:33
